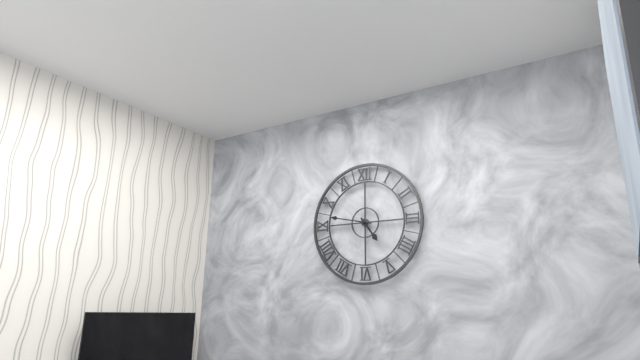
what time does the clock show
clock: 4:47
